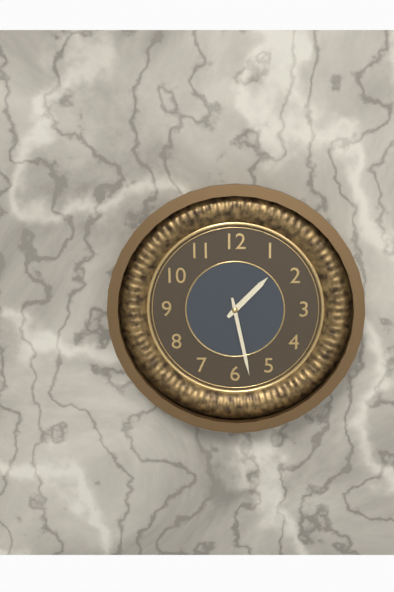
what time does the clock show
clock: 1:28
